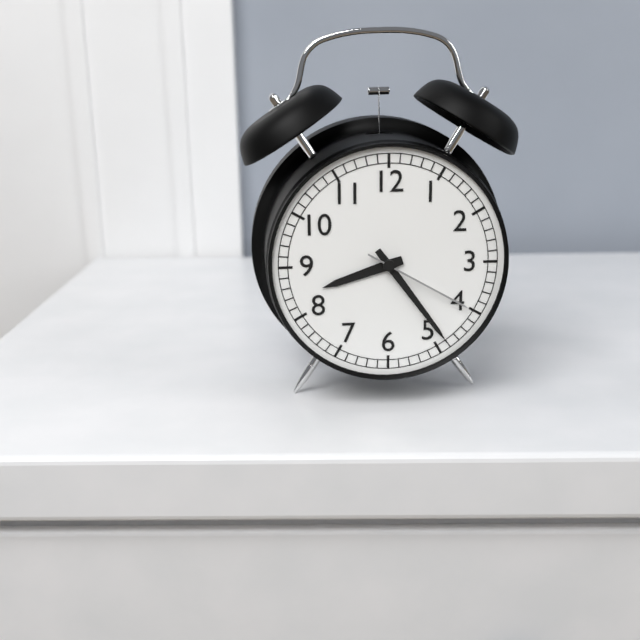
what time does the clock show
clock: 8:24:20
